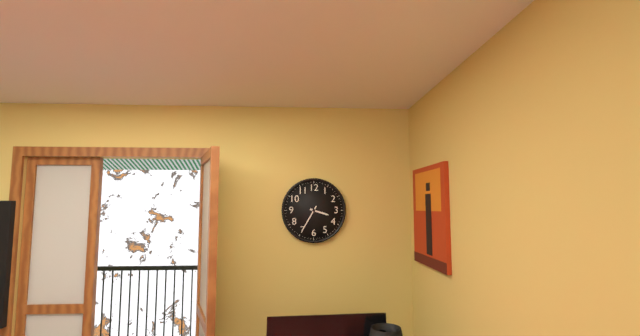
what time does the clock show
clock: 3:35
